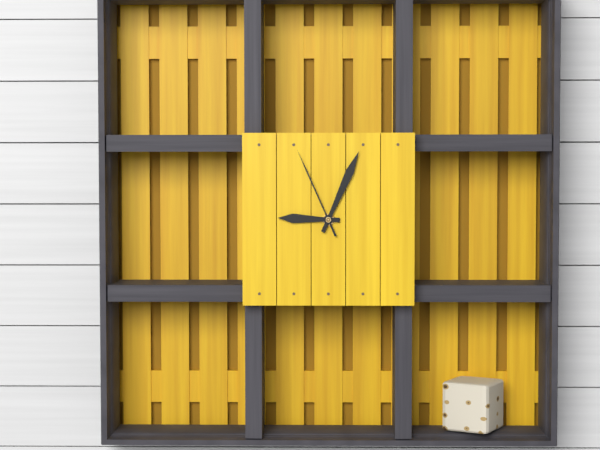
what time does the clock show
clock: 9:04:56
